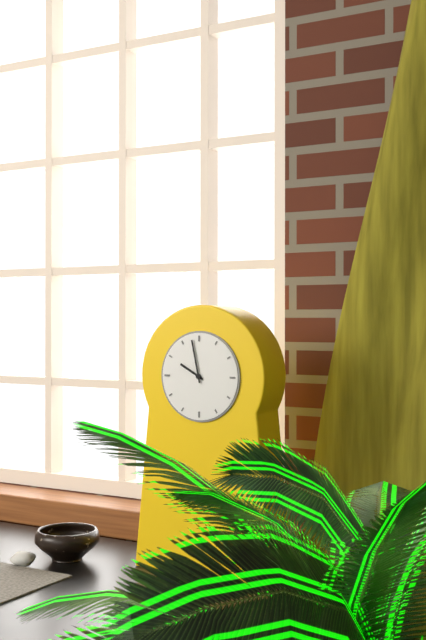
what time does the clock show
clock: 9:58
